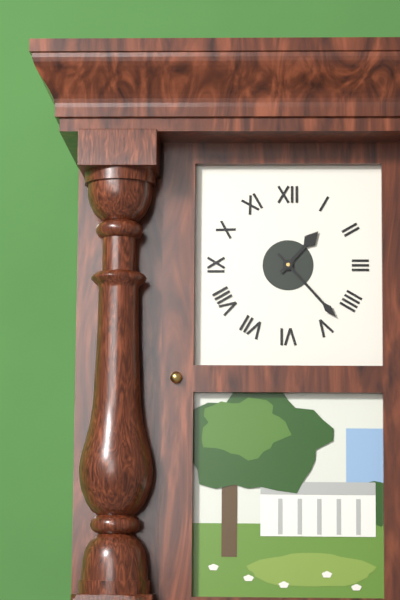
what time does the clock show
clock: 1:23
